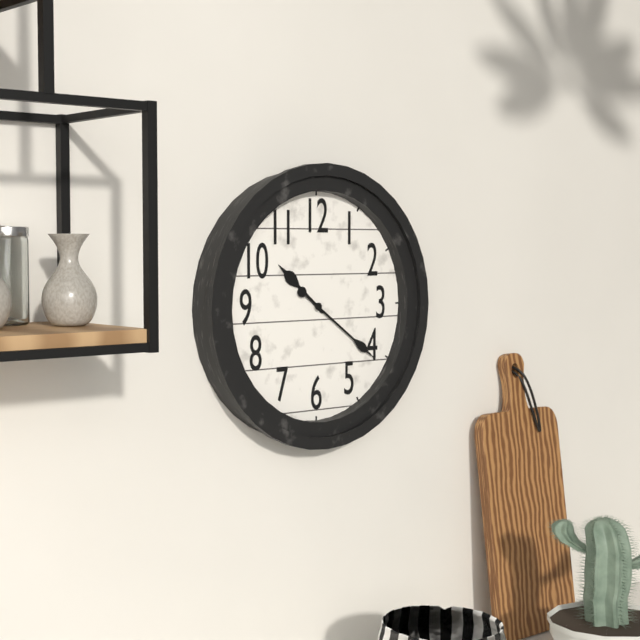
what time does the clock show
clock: 10:21
